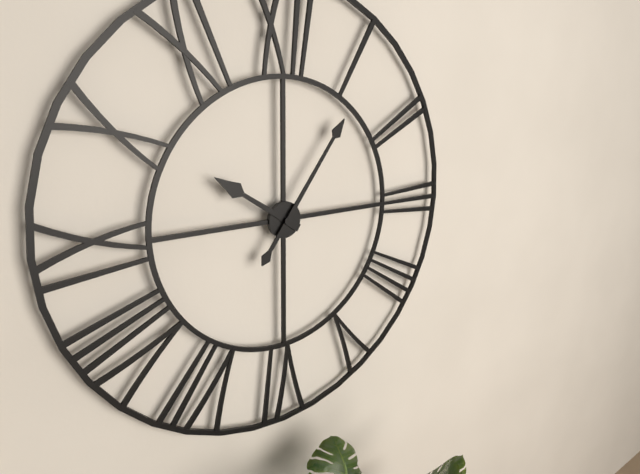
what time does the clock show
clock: 10:06
